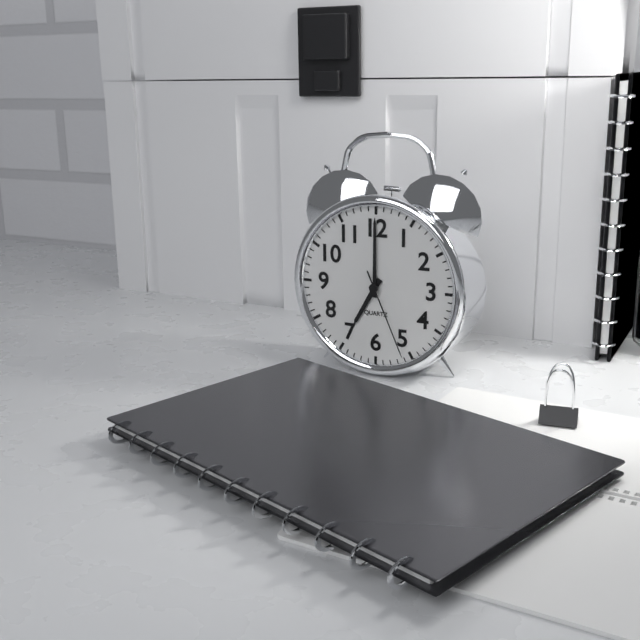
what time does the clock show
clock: 7:00:26
